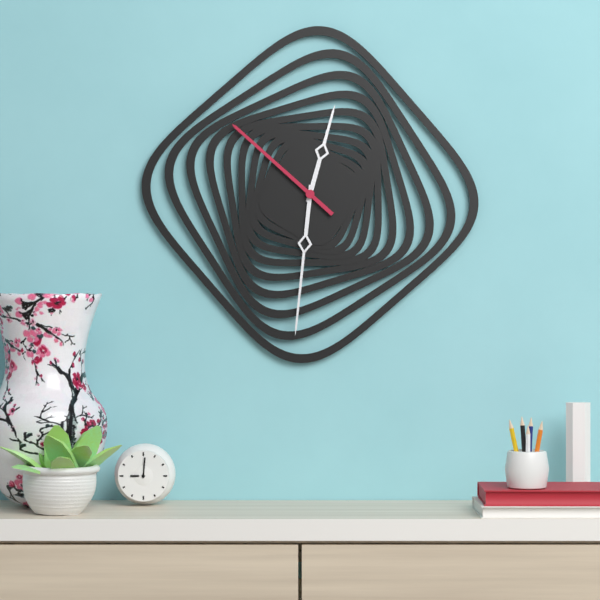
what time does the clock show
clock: 12:31:52
